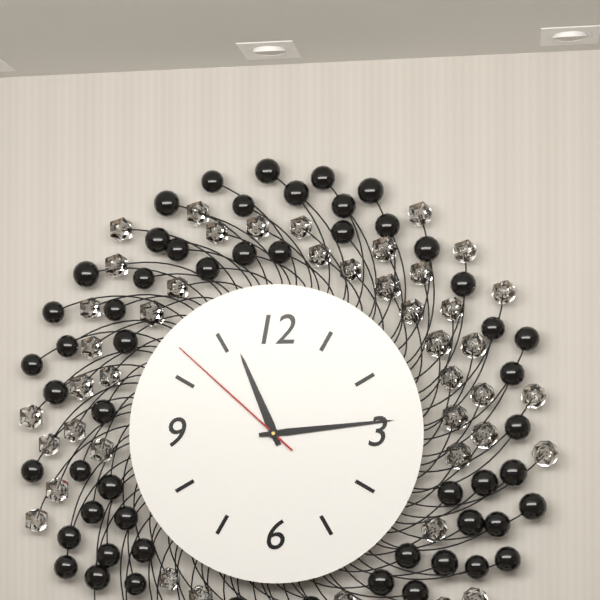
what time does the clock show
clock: 11:14:52
